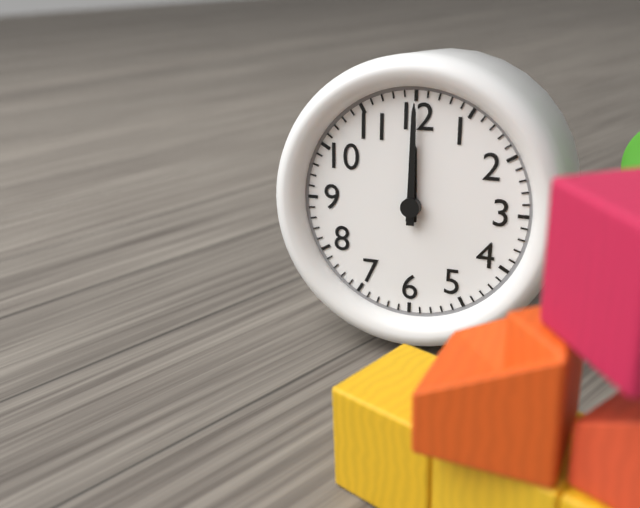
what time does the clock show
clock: 12:00
